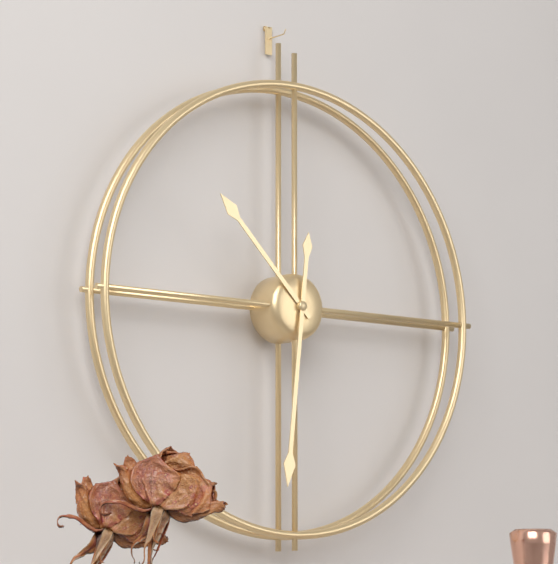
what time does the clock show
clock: 10:31
